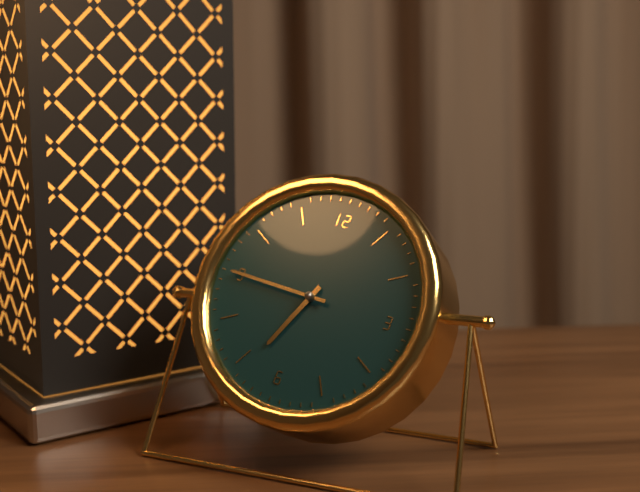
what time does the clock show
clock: 6:45
